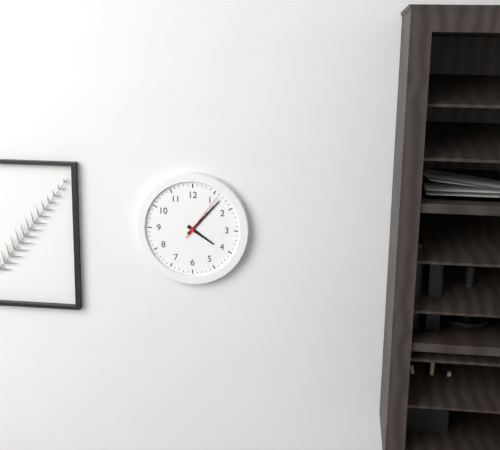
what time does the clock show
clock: 4:07:06
